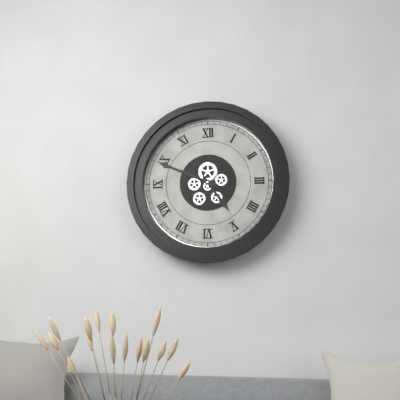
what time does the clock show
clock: 4:49
